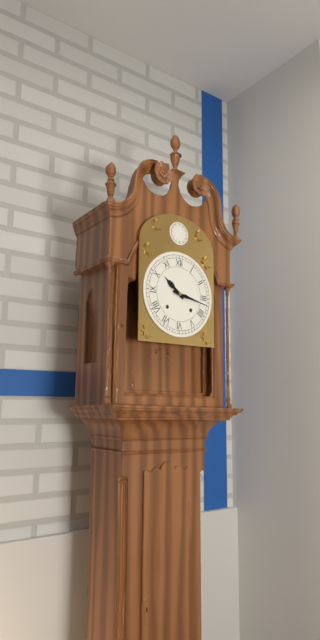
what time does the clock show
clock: 10:17
